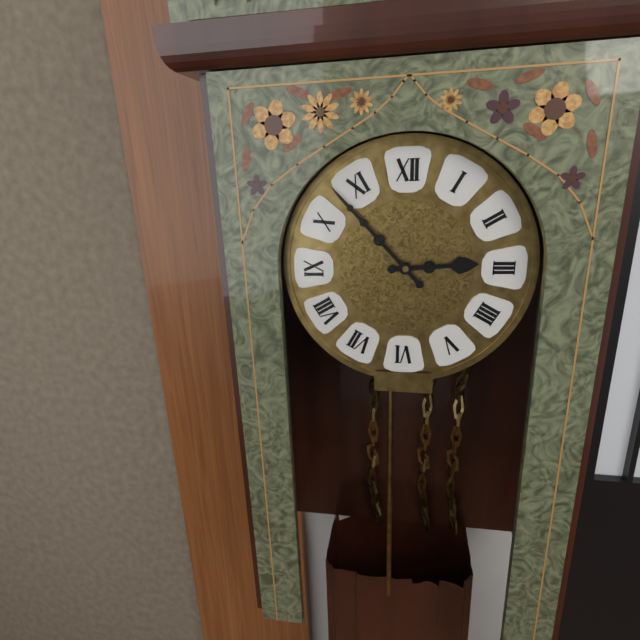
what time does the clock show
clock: 2:53
